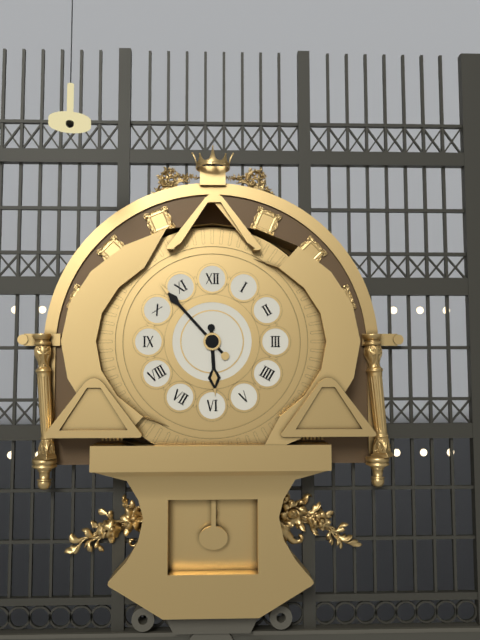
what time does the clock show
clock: 5:53
